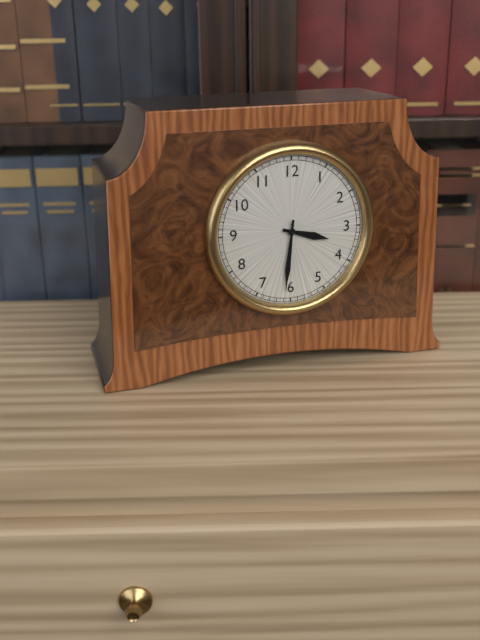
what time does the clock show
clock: 3:31
